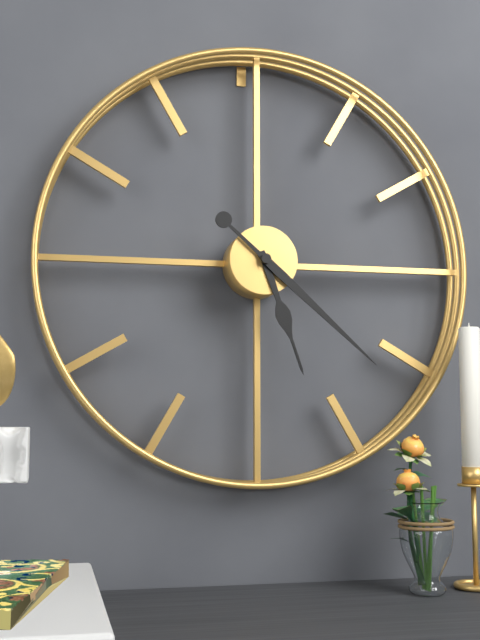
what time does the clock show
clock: 5:22
